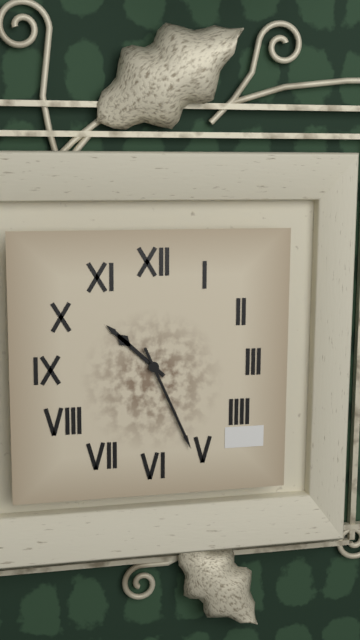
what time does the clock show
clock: 10:26
